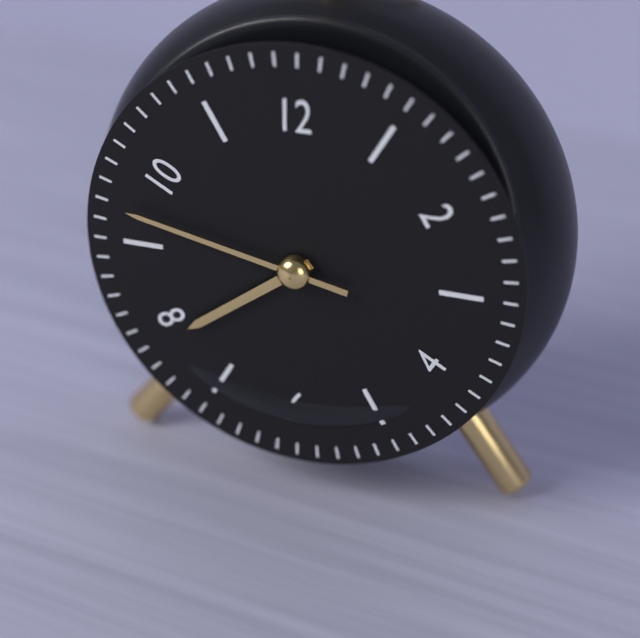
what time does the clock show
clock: 7:47
